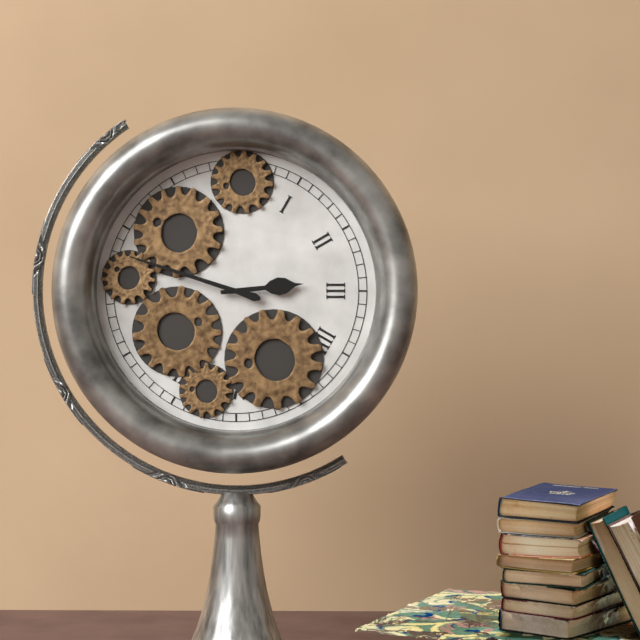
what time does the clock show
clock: 2:48
